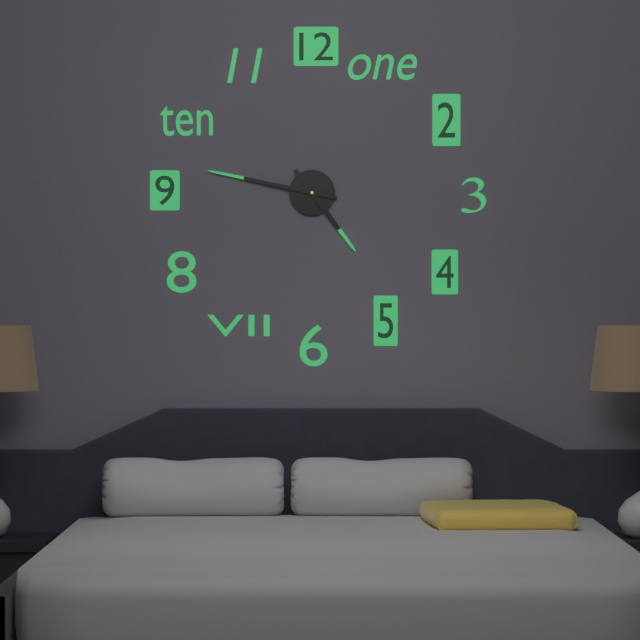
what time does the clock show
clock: 4:47
